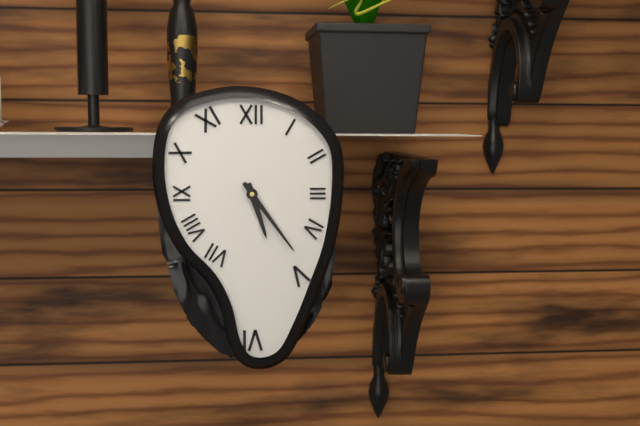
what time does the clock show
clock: 5:24
